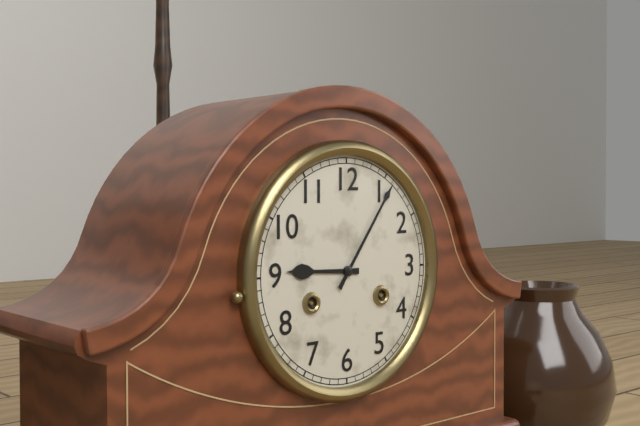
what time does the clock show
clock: 9:06
